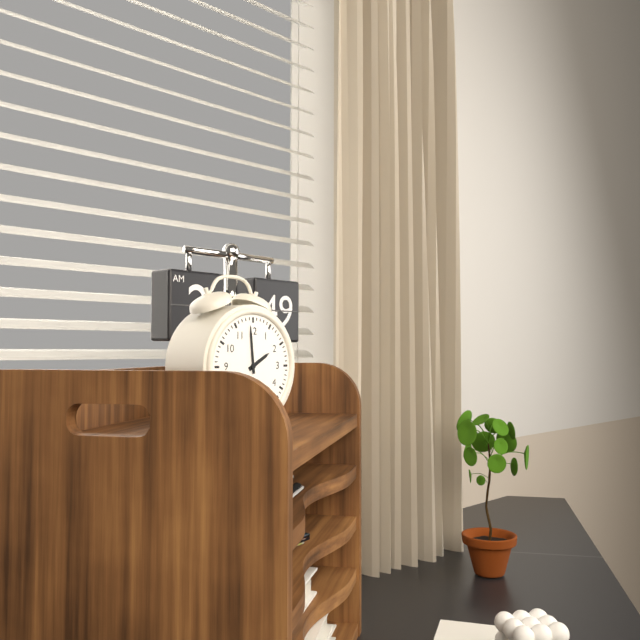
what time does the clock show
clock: 1:59
